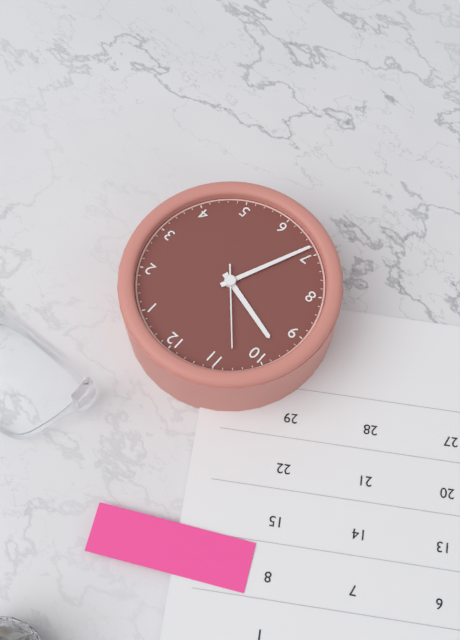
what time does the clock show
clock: 9:34:53
